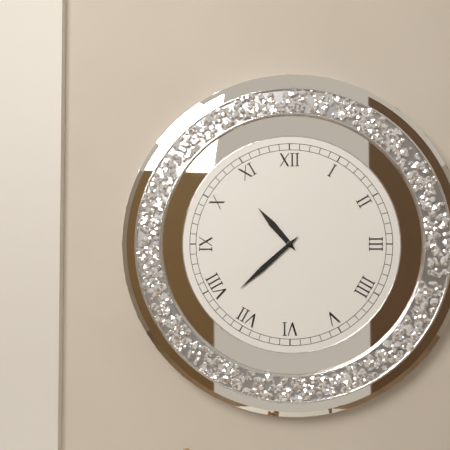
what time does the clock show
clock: 10:38
